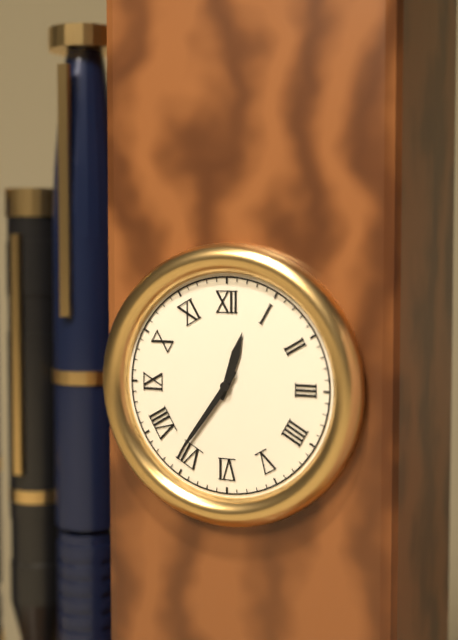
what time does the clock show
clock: 12:36
